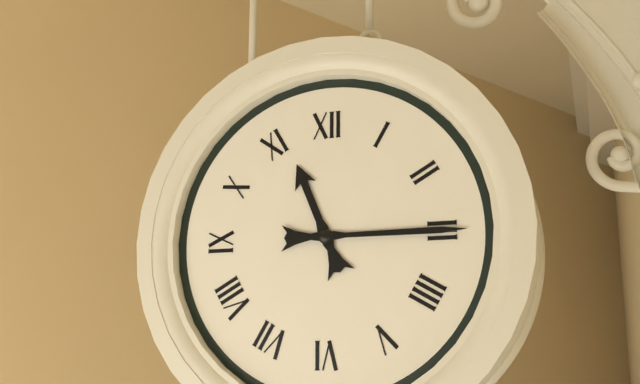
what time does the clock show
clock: 11:15
